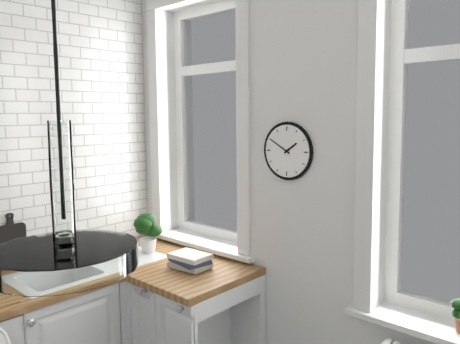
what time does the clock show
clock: 1:50
